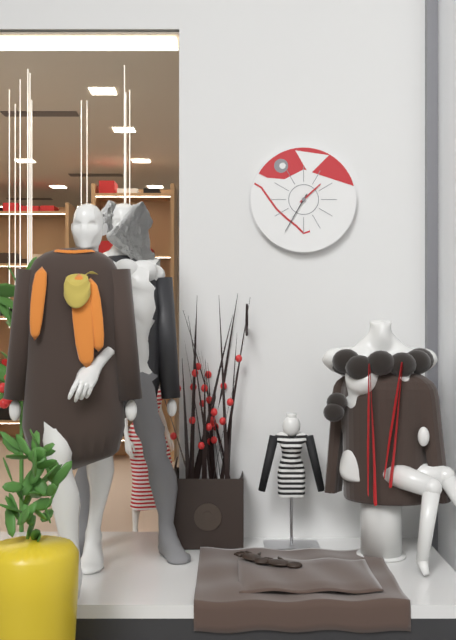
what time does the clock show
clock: 1:35
